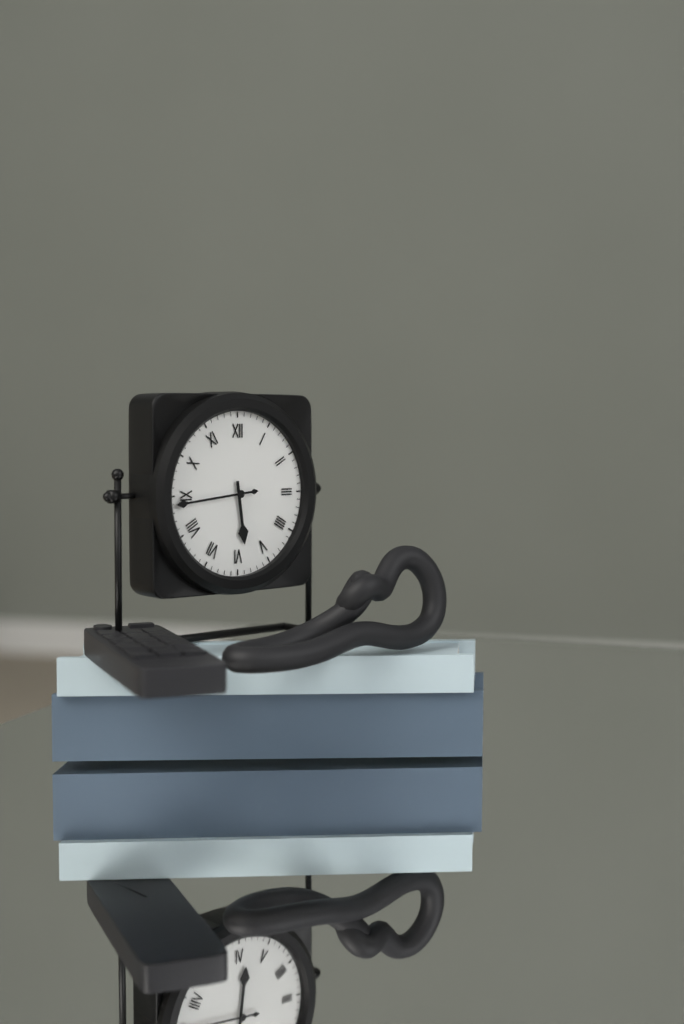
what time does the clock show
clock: 5:44
